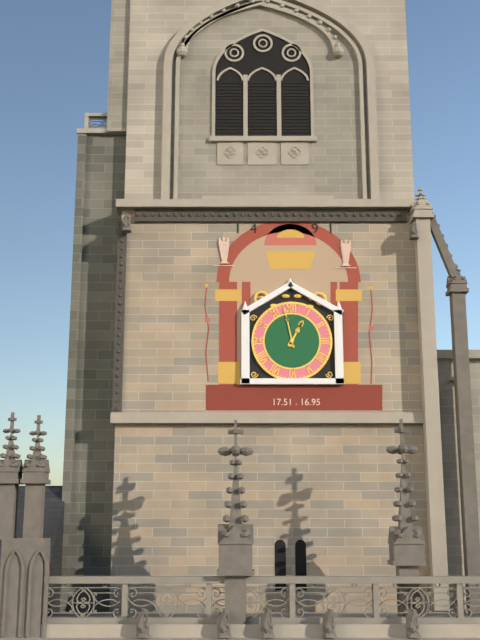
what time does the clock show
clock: 12:58
